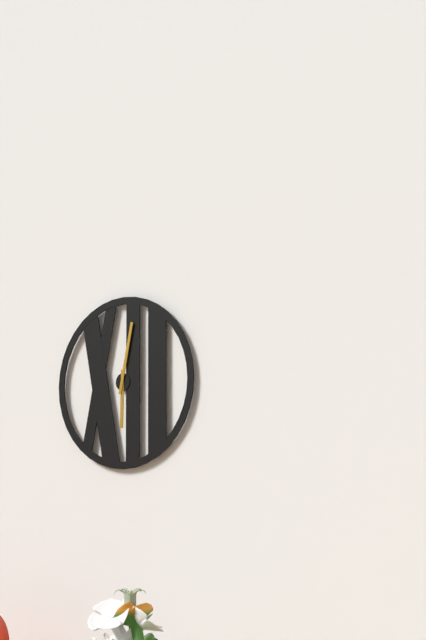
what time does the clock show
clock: 6:02
